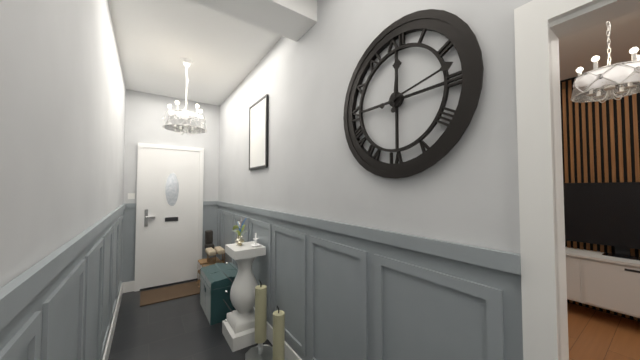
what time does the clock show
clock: 12:13
